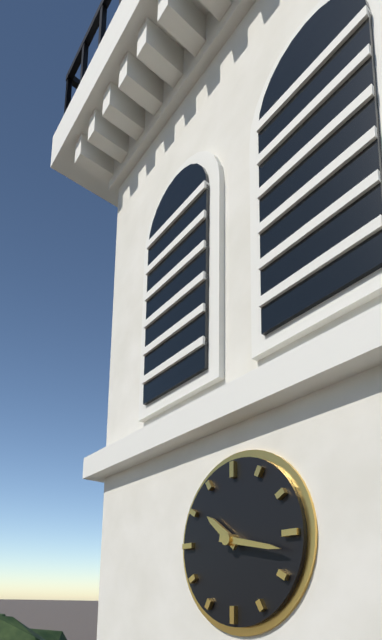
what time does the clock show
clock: 10:17
